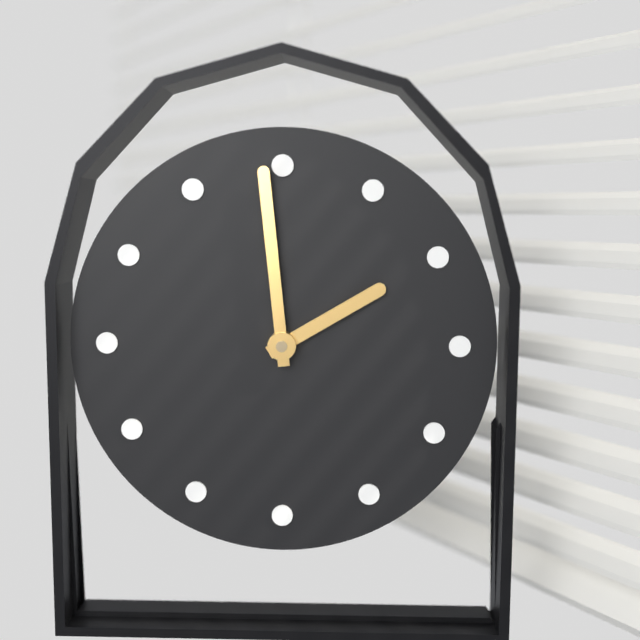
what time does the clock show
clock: 1:59
